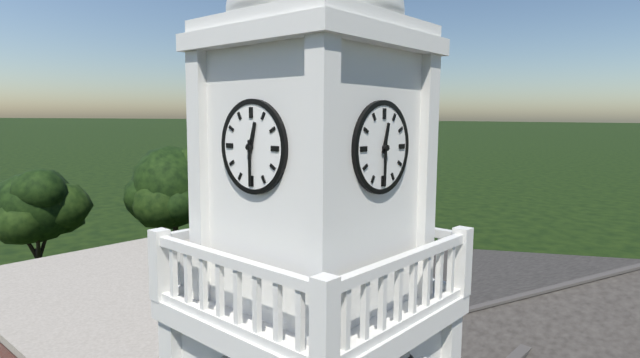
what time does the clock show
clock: 12:30
